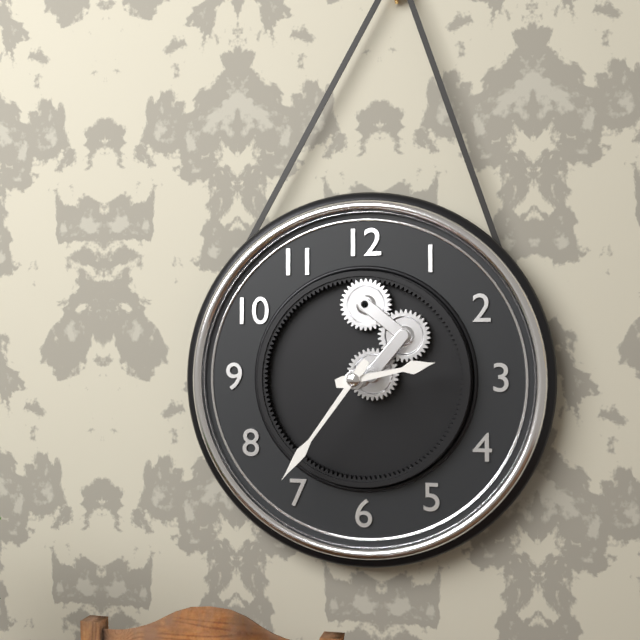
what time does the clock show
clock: 2:36
